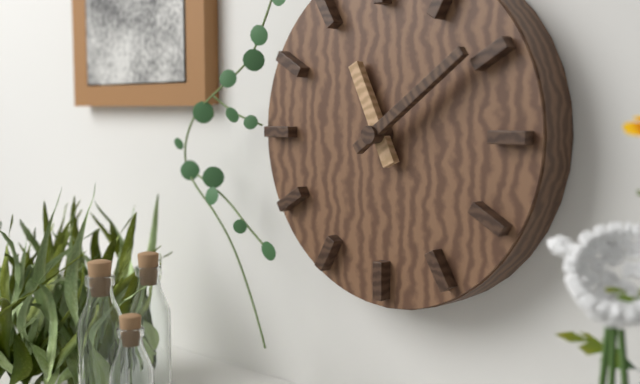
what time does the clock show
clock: 11:09
